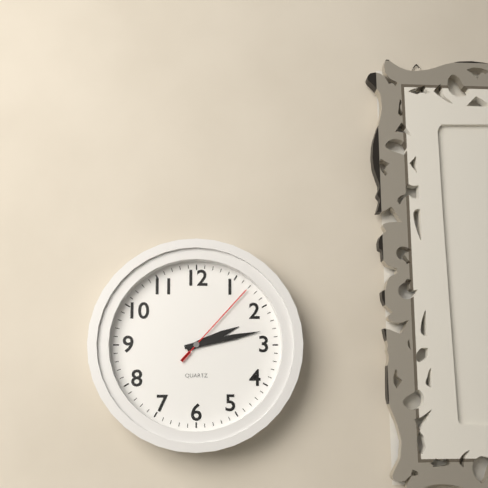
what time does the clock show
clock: 2:13:07
